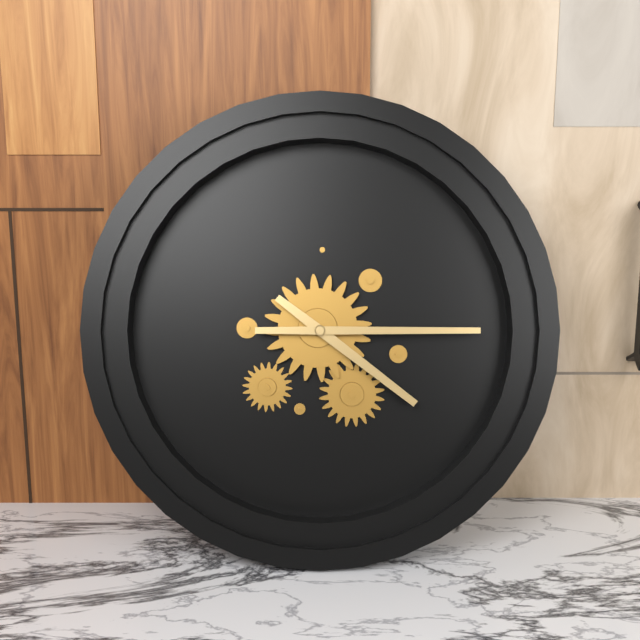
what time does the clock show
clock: 4:15
